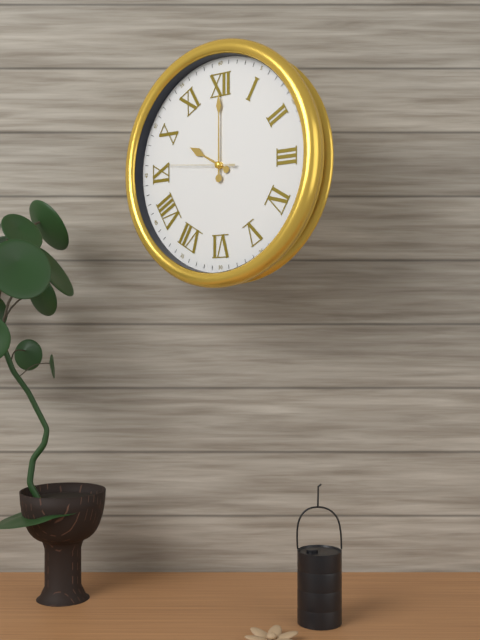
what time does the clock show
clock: 10:00:46
